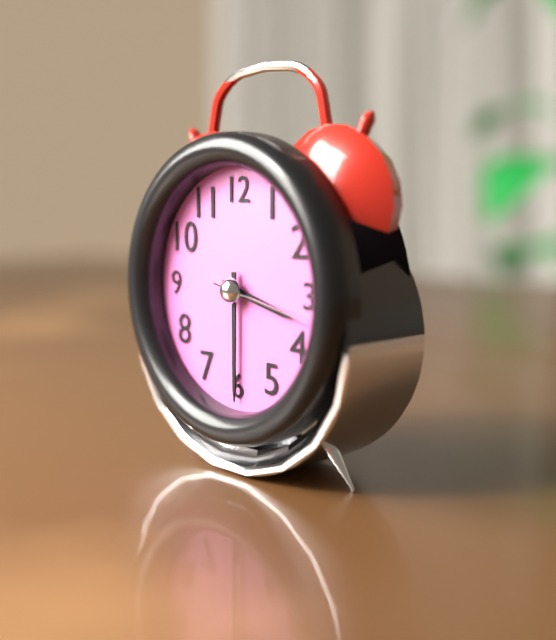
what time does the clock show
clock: 3:30:17
